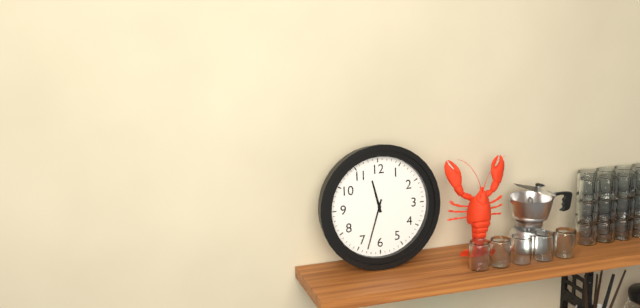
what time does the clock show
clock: 11:33
